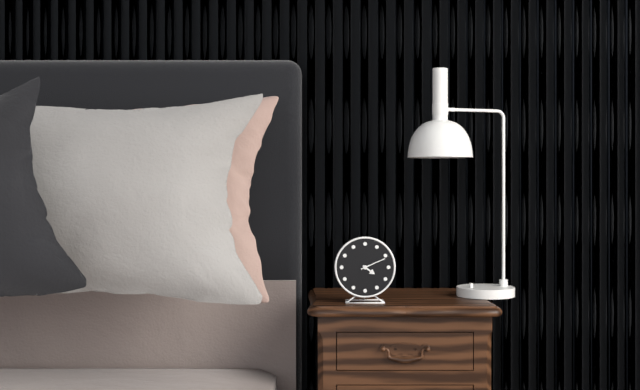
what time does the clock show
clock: 4:11
